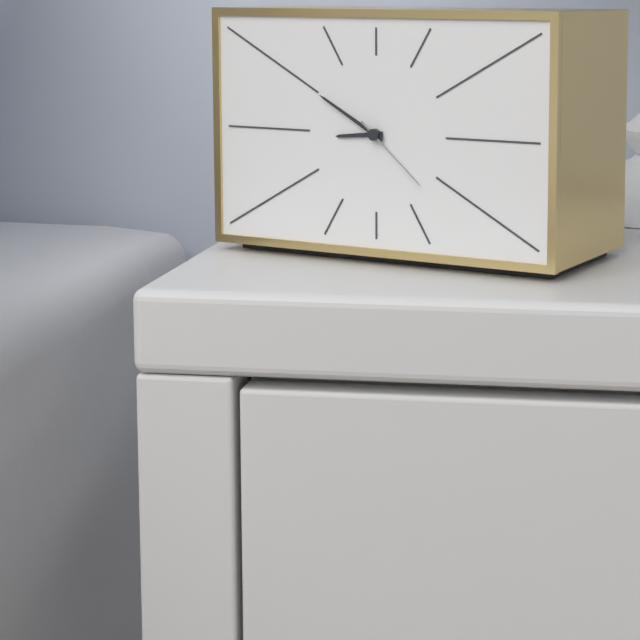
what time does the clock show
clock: 8:50:22
